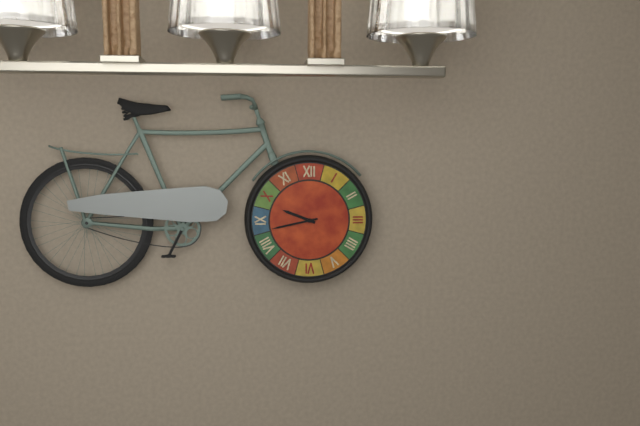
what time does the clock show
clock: 9:43
